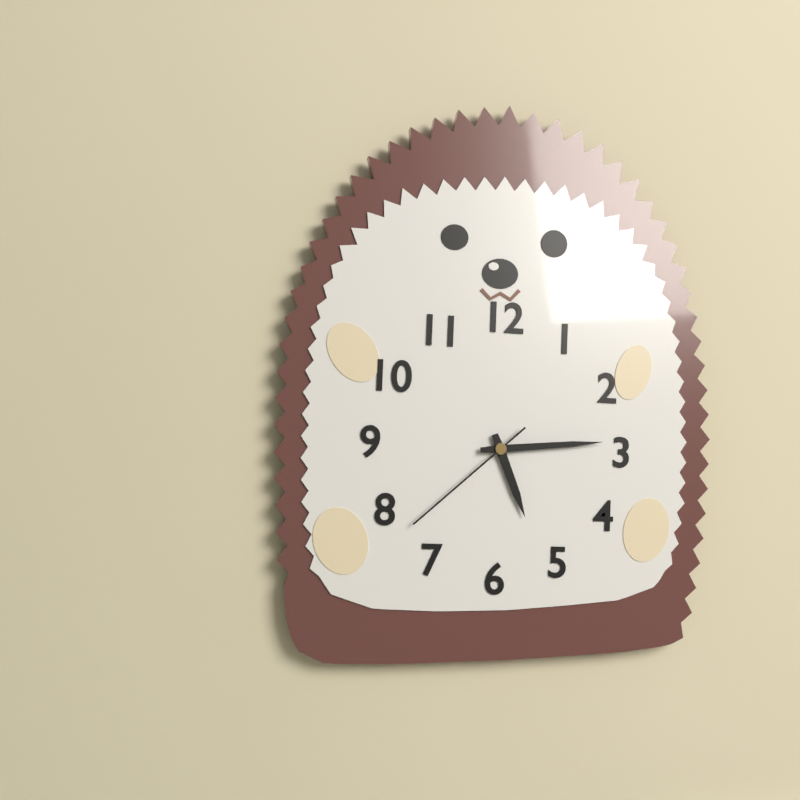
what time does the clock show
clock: 5:14:38
